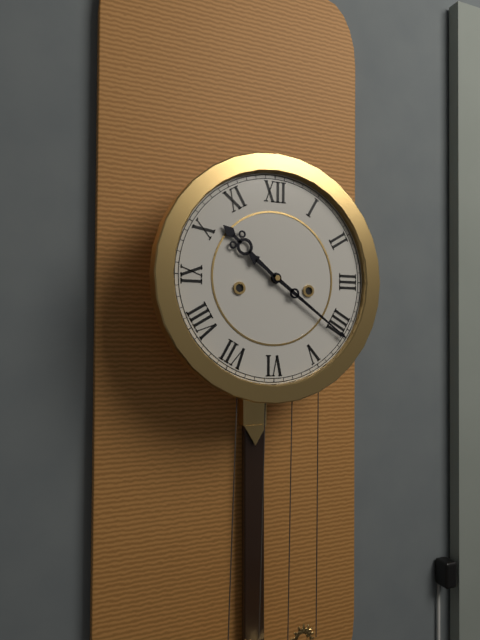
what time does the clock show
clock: 10:21
